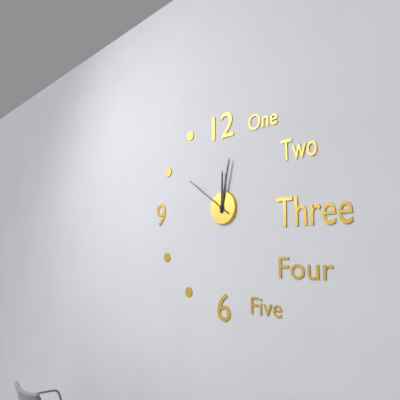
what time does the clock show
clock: 12:02:51
